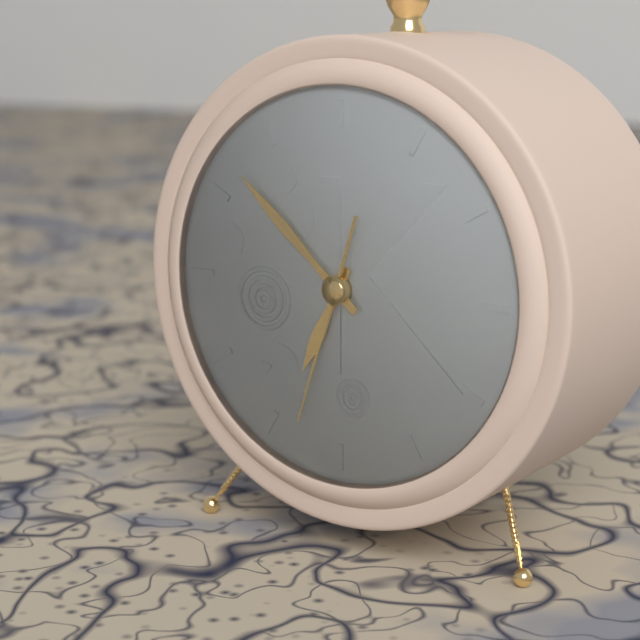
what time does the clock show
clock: 6:52:33
